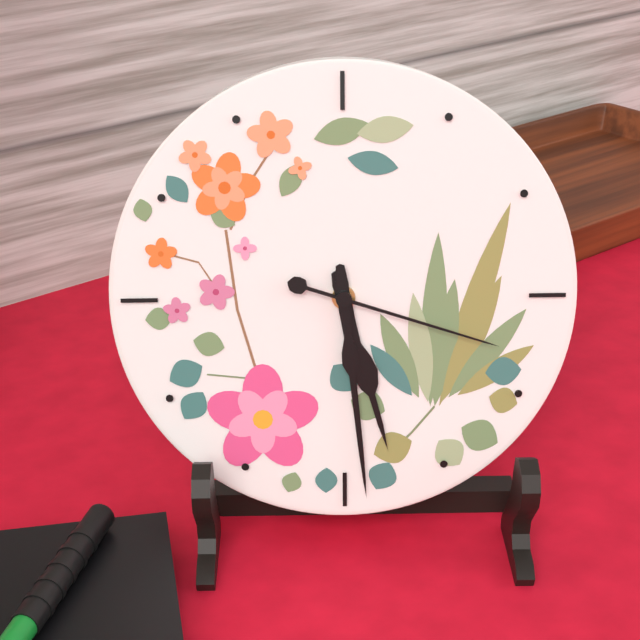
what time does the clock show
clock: 5:29:18
